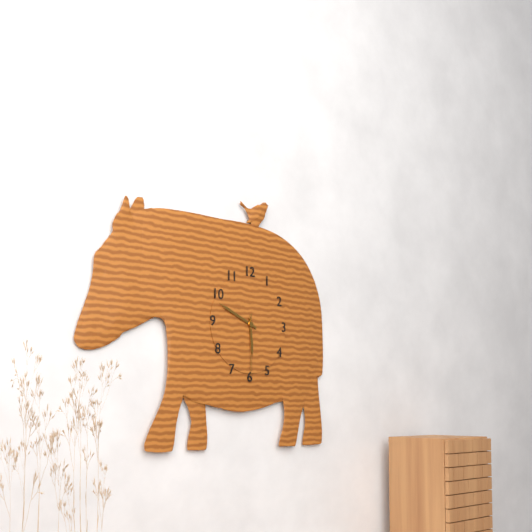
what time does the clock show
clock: 5:49:30
